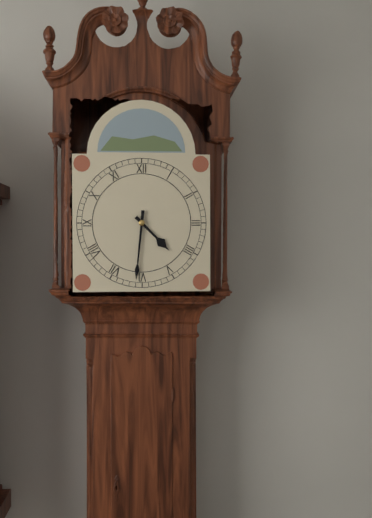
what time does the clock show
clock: 4:31
